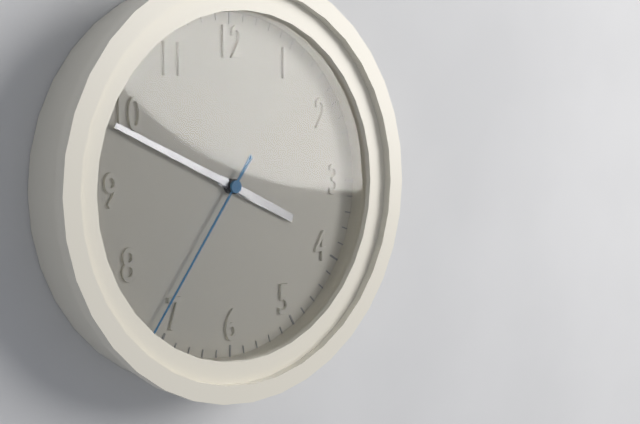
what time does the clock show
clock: 3:49:36
